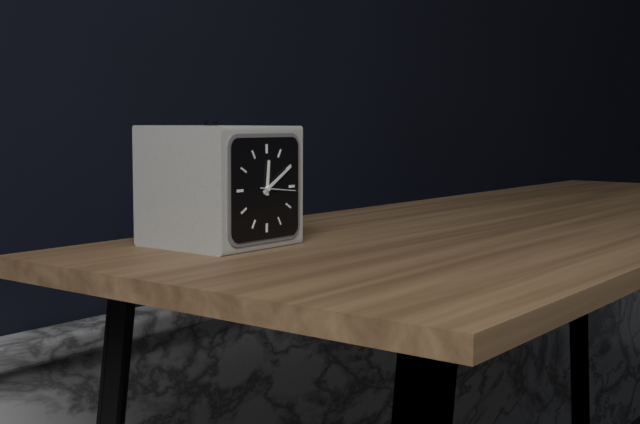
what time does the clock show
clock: 12:10
